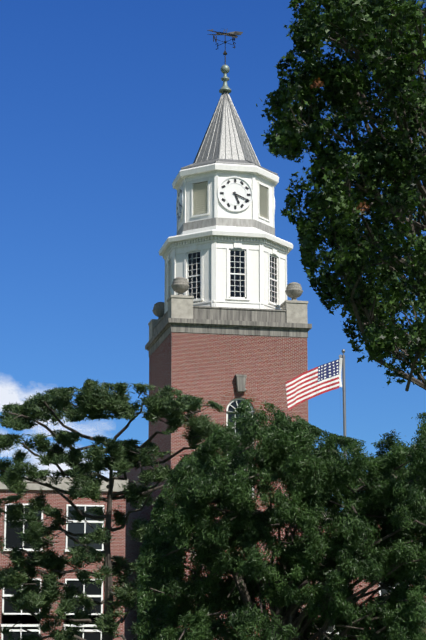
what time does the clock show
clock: 5:19
